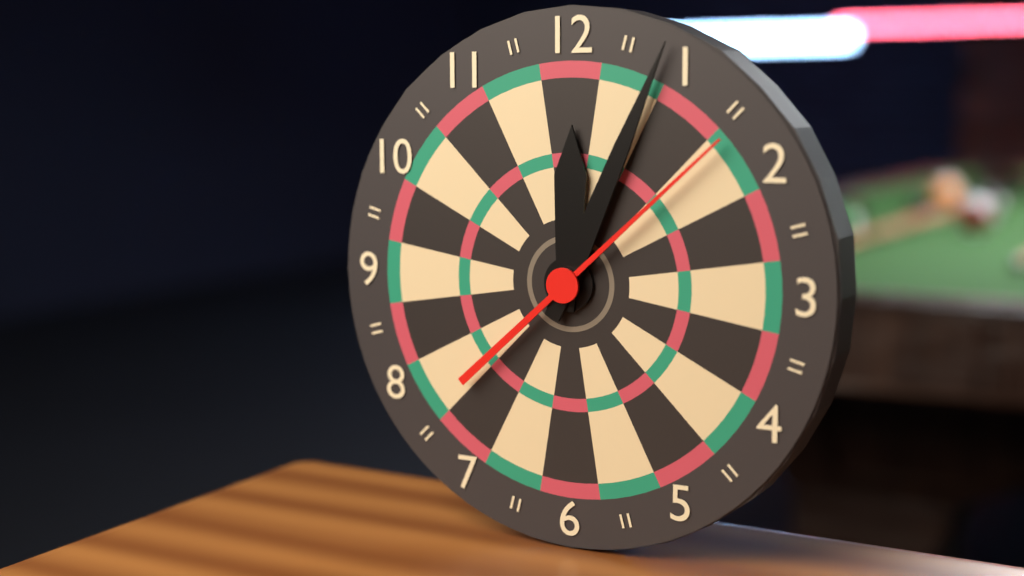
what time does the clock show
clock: 12:04:08
